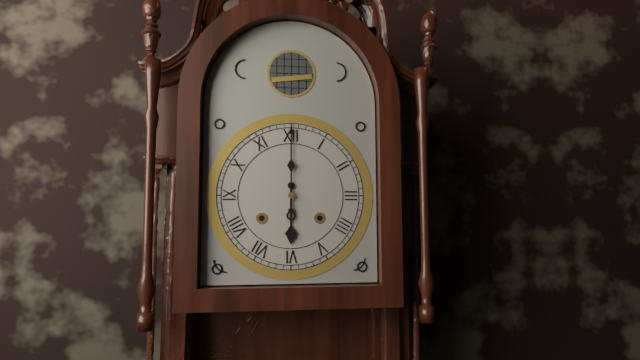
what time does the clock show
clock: 6:00
